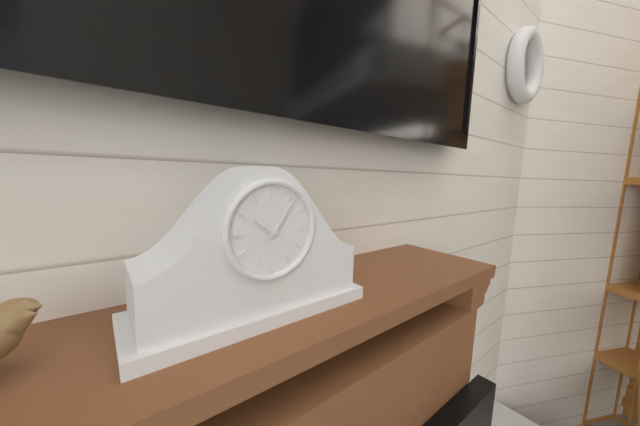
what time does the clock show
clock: 10:06
